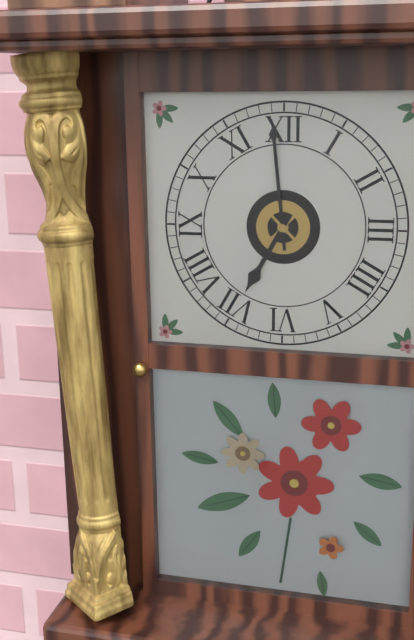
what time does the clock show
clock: 6:59
